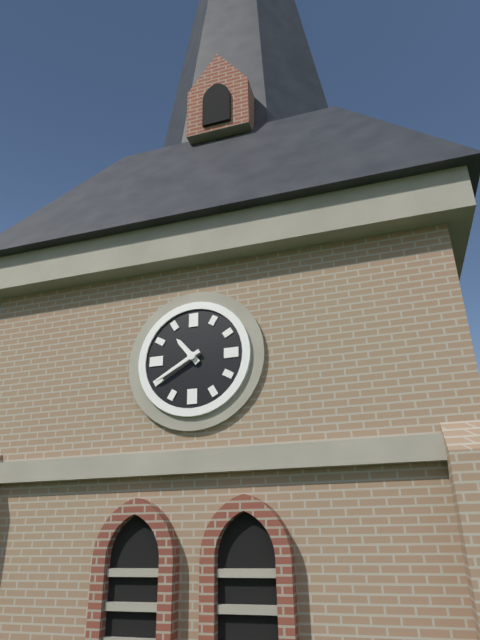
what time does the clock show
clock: 10:40
